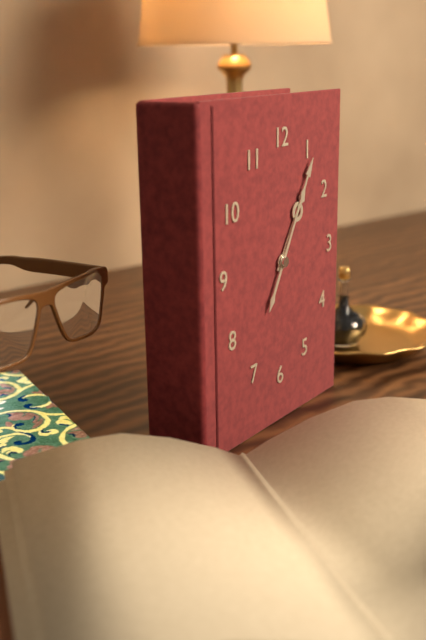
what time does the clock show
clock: 1:05
